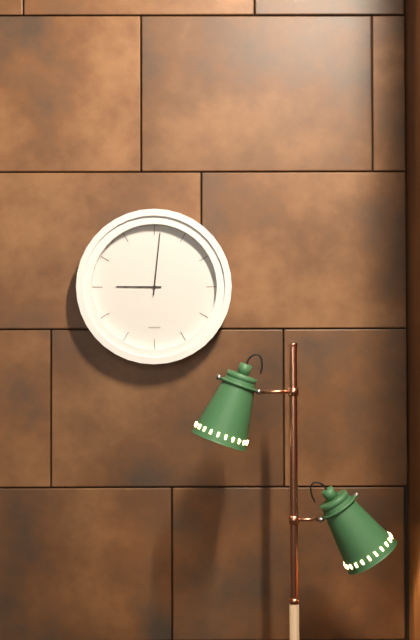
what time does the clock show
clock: 9:01
